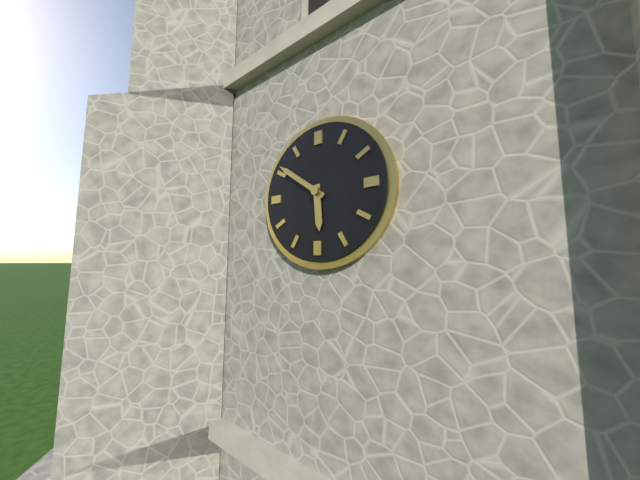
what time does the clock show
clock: 5:51
